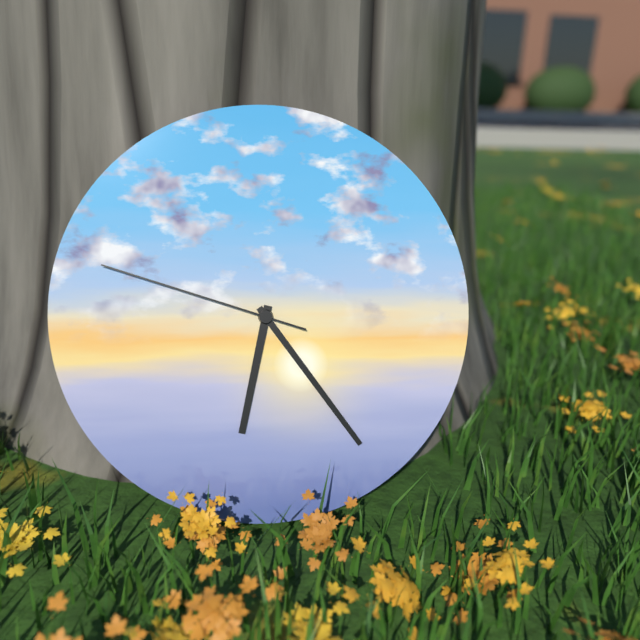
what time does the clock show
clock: 6:24:48
